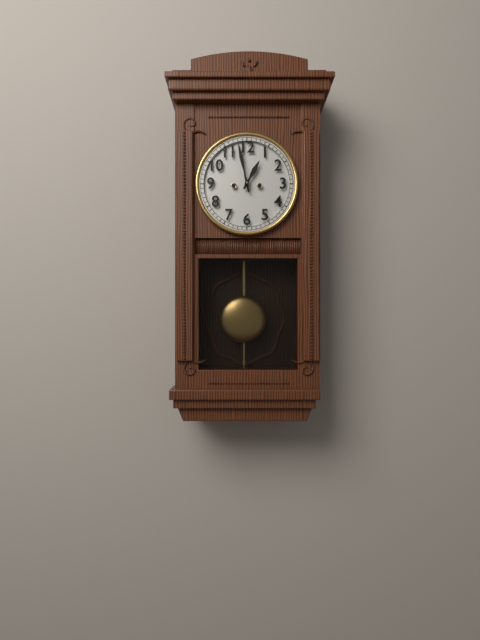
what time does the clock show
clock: 12:58
